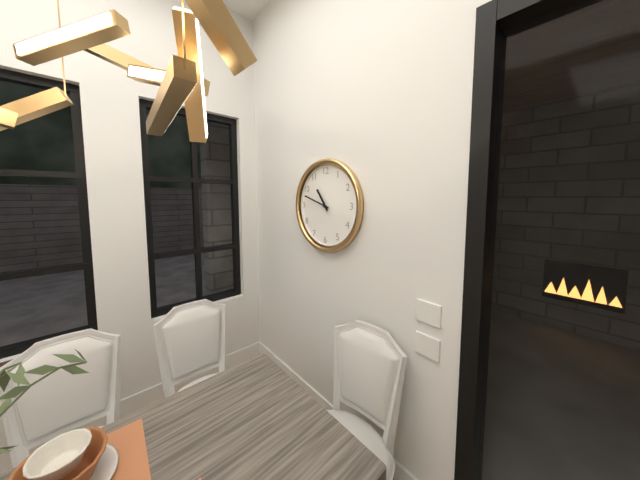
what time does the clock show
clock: 10:48
